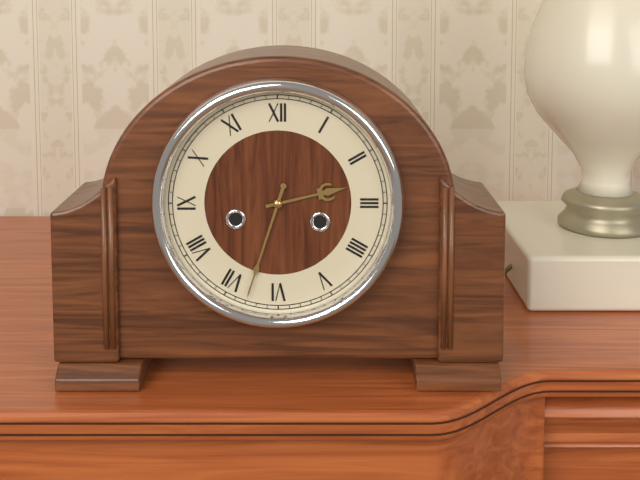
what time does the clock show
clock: 2:33
